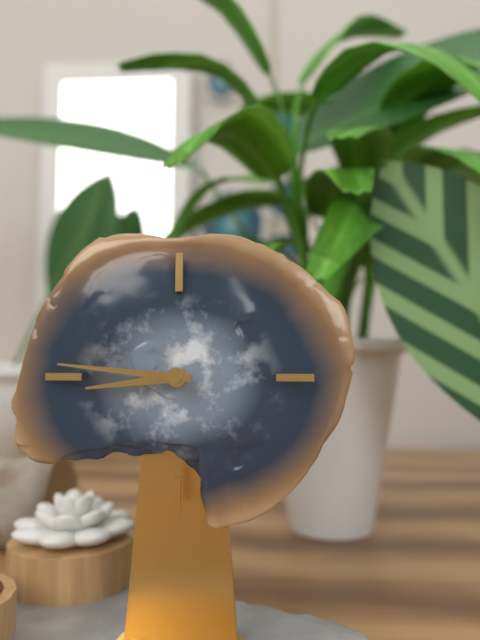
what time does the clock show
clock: 8:46
